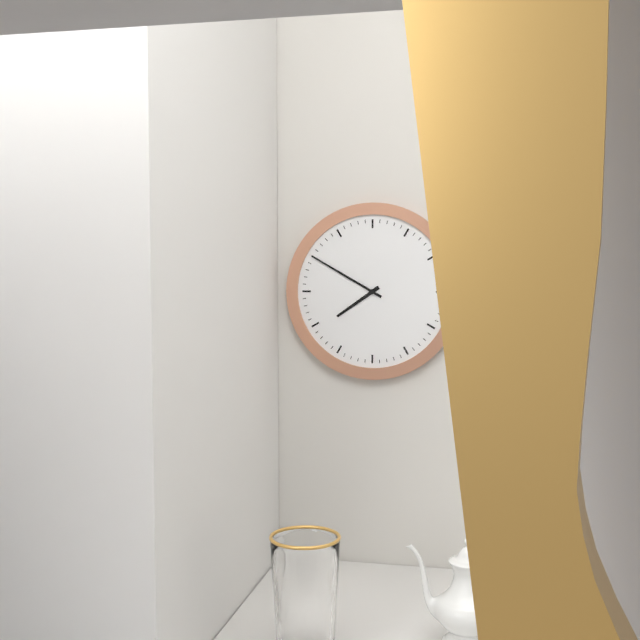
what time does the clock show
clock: 7:50
